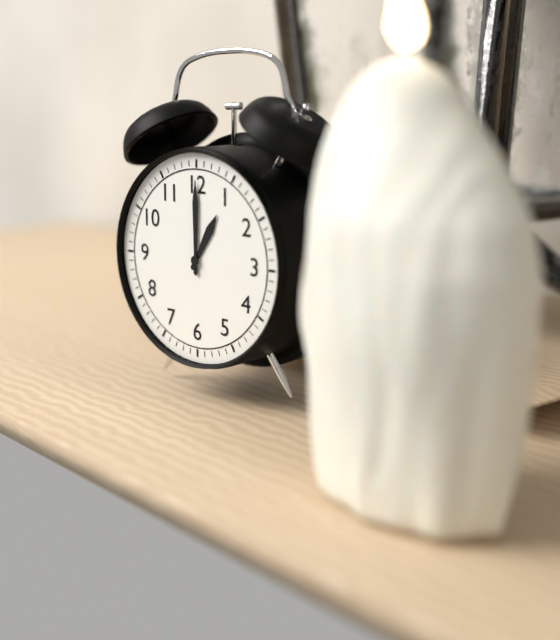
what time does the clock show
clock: 1:00
